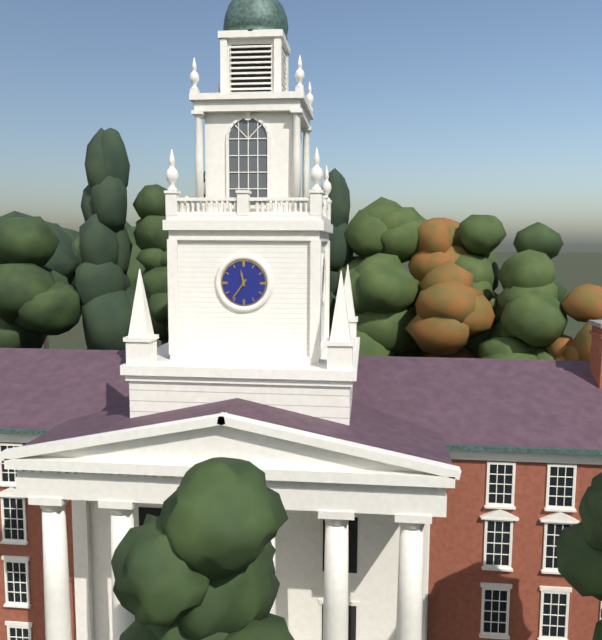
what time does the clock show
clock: 11:36
